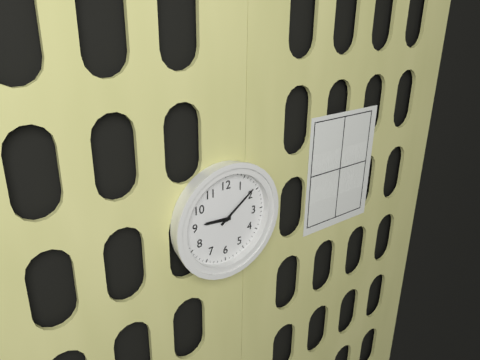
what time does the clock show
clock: 9:09
